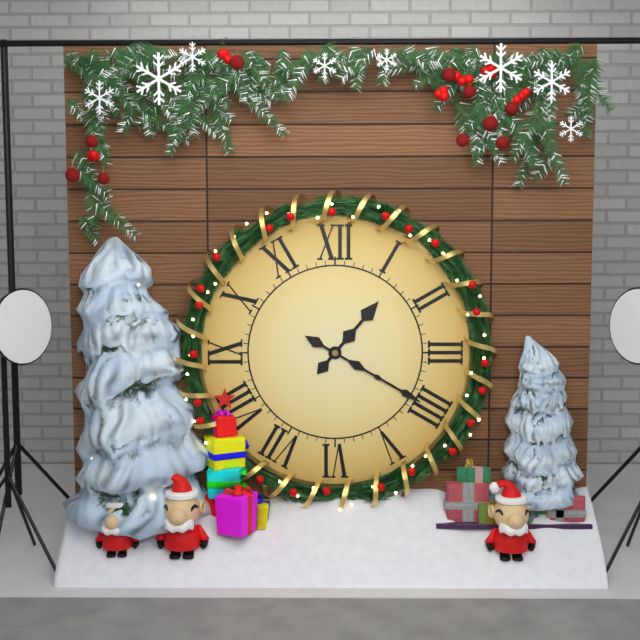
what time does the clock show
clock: 1:20
